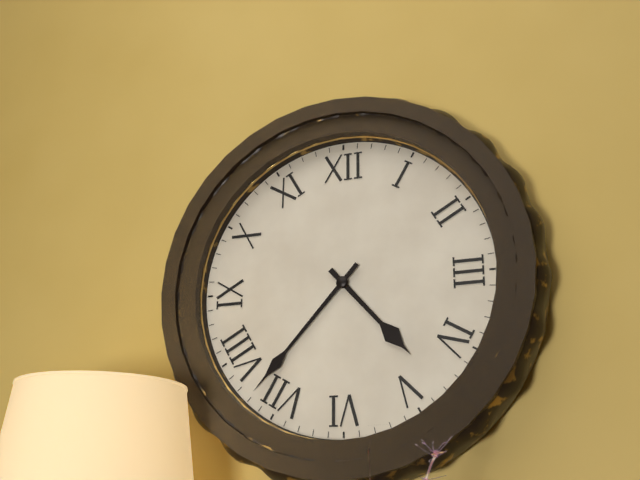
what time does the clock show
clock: 4:37
